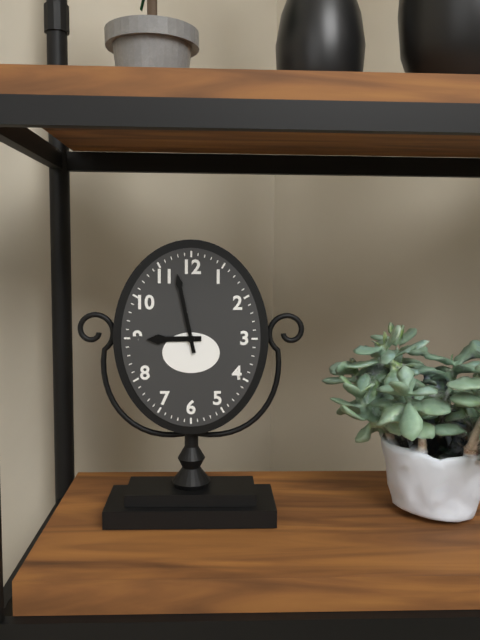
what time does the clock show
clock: 8:58
